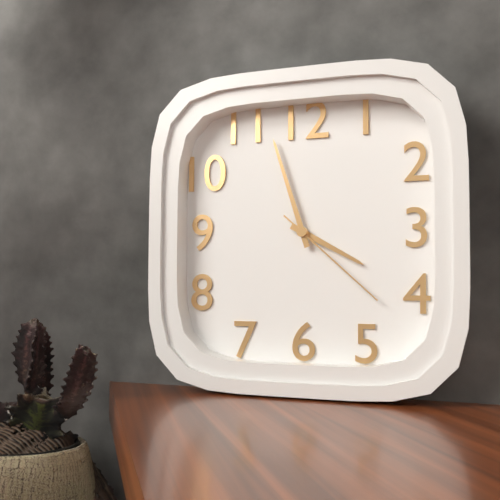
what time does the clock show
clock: 3:57:22
